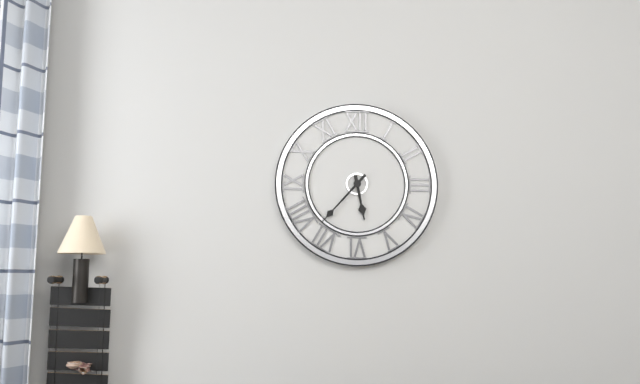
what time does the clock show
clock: 5:37
